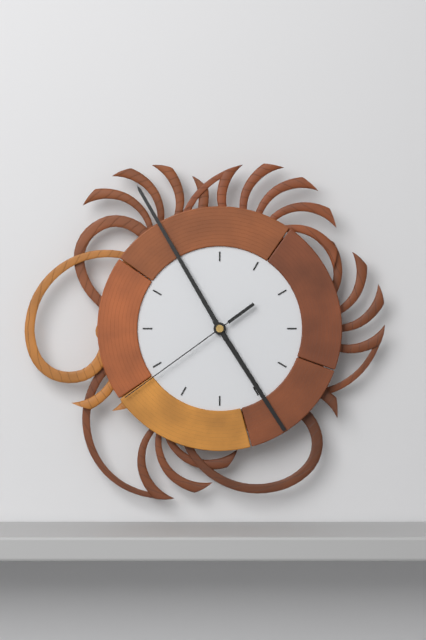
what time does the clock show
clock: 4:55:39
